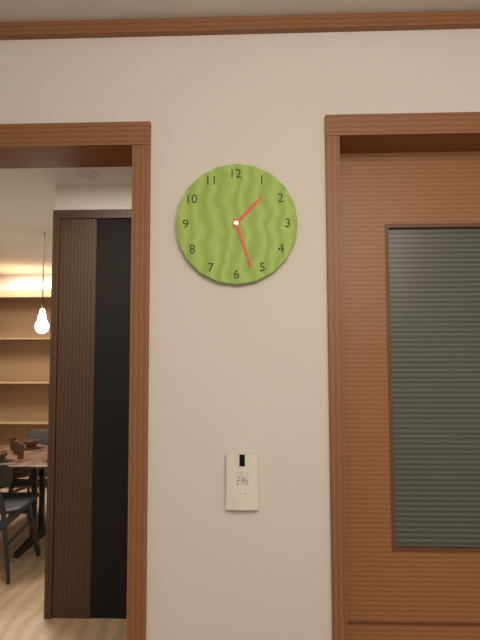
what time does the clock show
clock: 1:27
